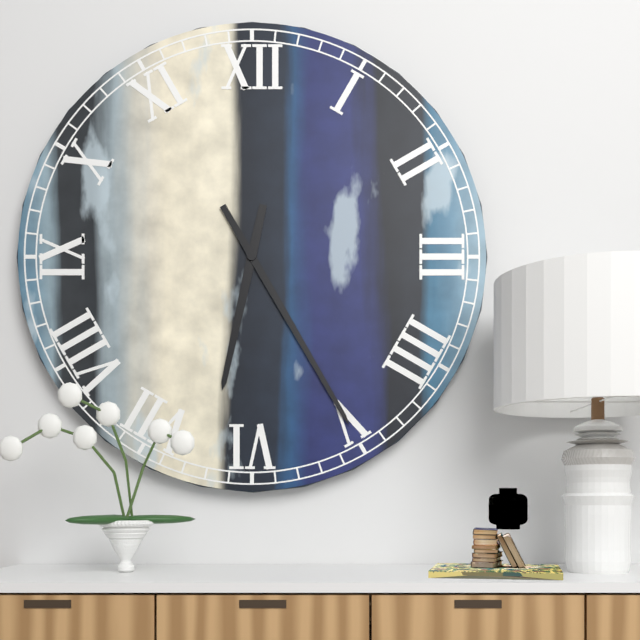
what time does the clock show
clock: 6:25
